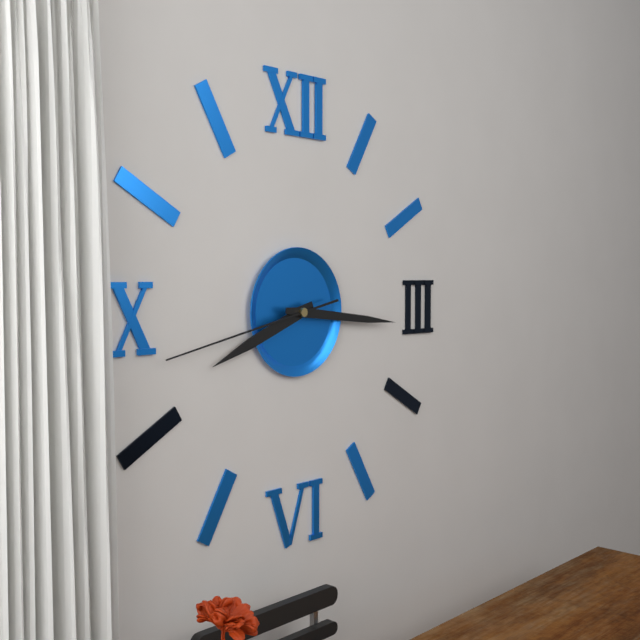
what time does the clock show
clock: 8:16:43
